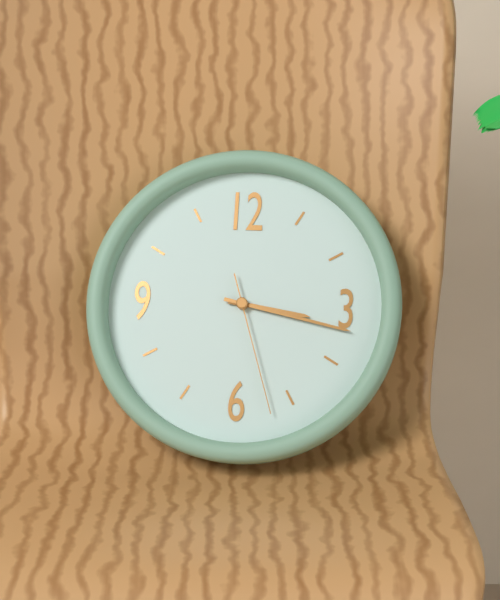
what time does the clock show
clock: 3:17:27
